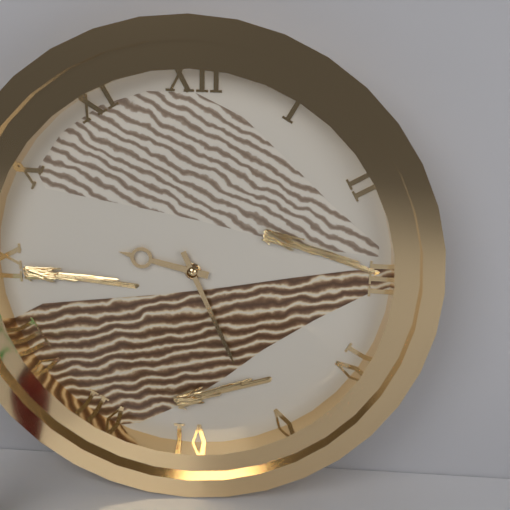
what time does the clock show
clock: 9:26
